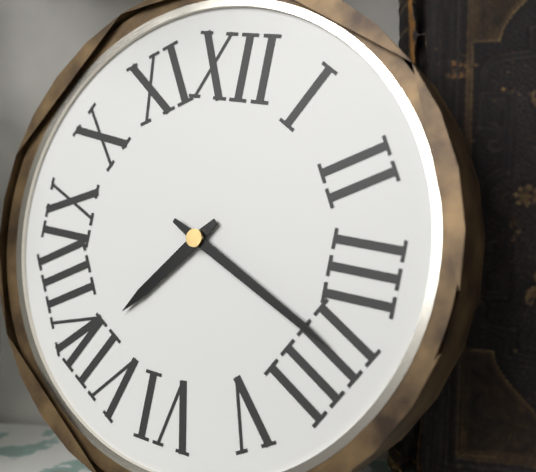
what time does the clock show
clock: 7:19
